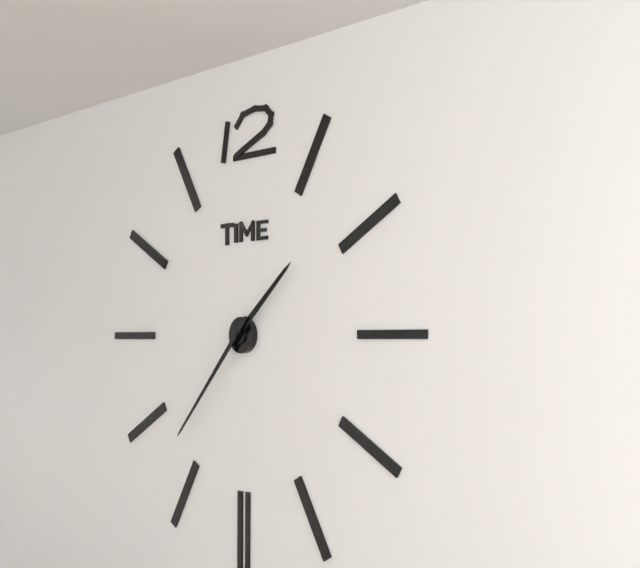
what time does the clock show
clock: 1:37
